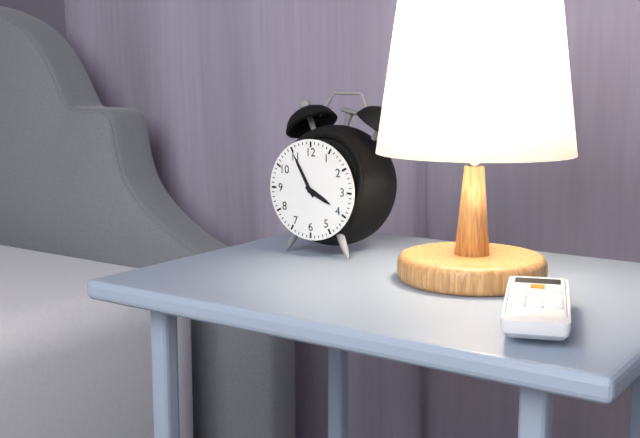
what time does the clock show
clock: 3:55
